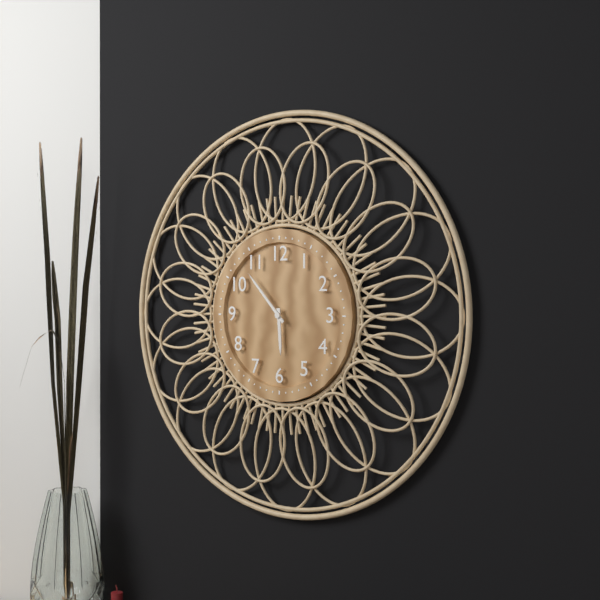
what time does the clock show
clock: 5:53
